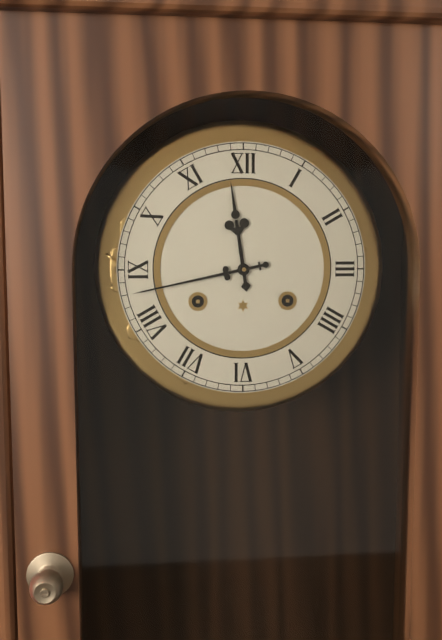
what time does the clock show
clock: 11:43
